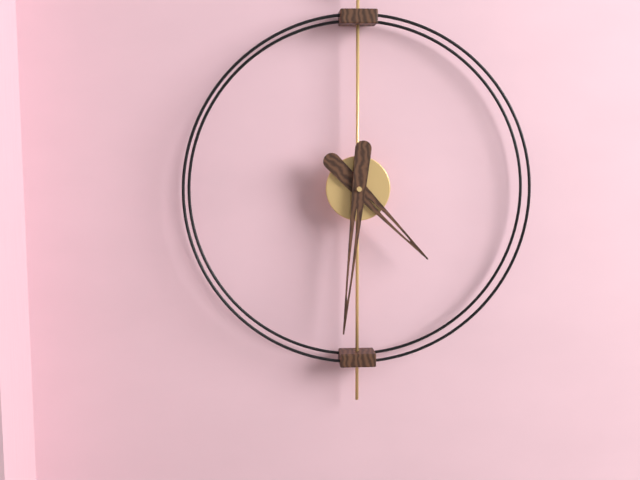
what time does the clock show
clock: 4:31
